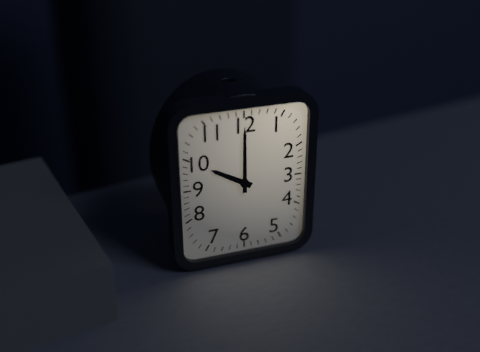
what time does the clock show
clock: 10:00
